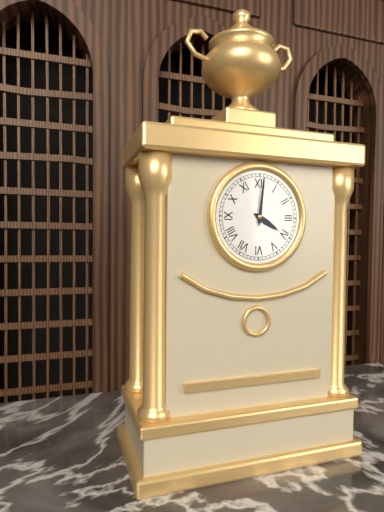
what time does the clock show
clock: 4:01
